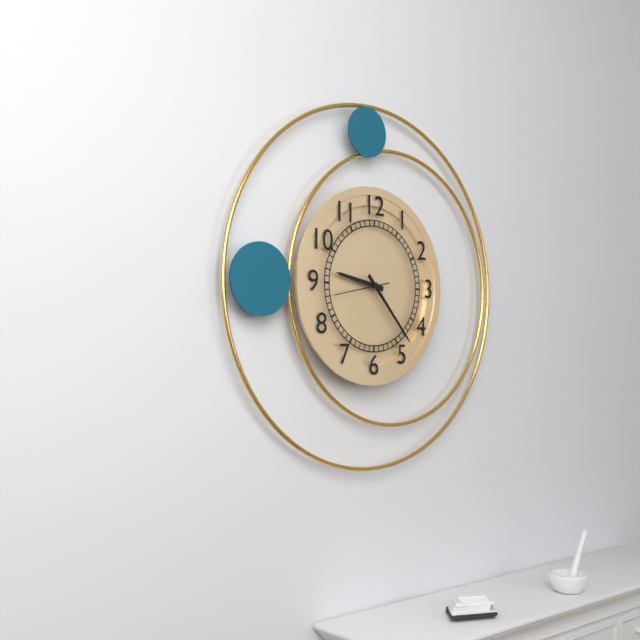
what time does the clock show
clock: 9:23:43
